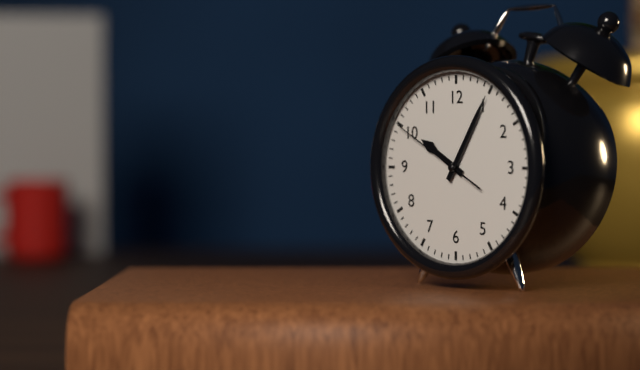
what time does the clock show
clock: 10:05:50
